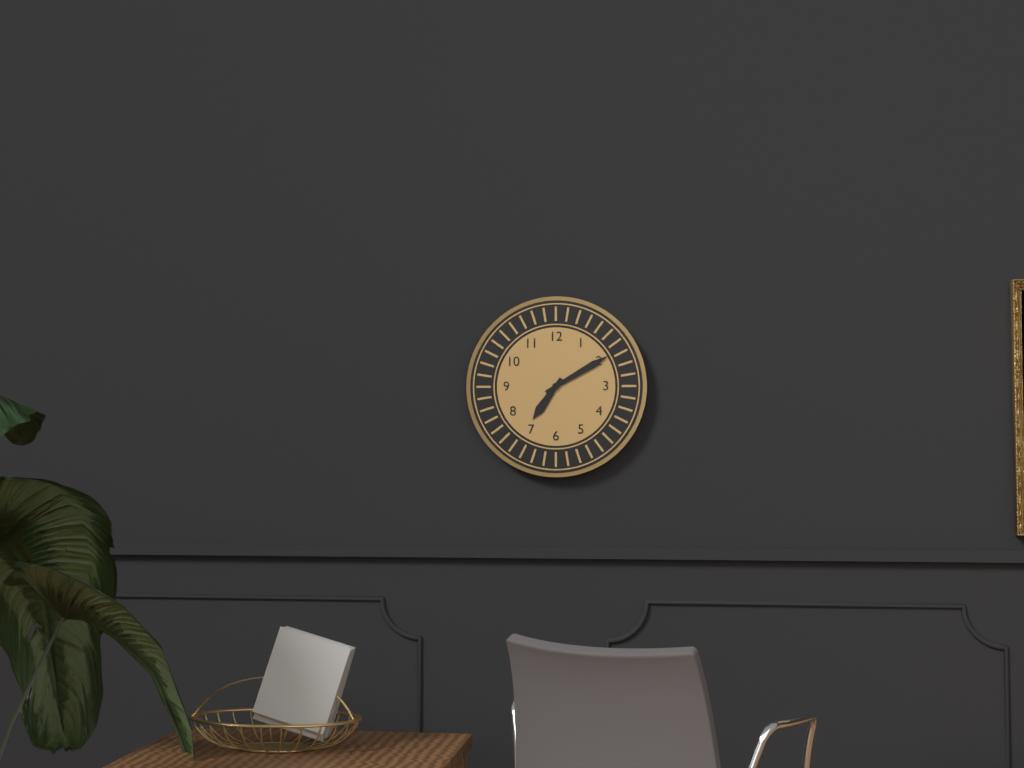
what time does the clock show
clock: 7:10
